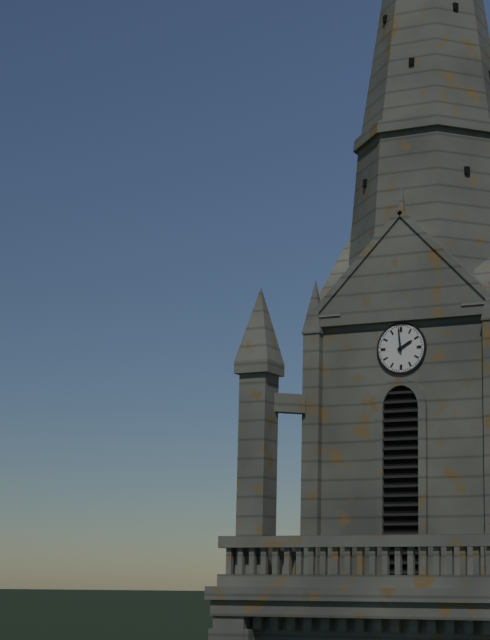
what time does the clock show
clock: 1:59
